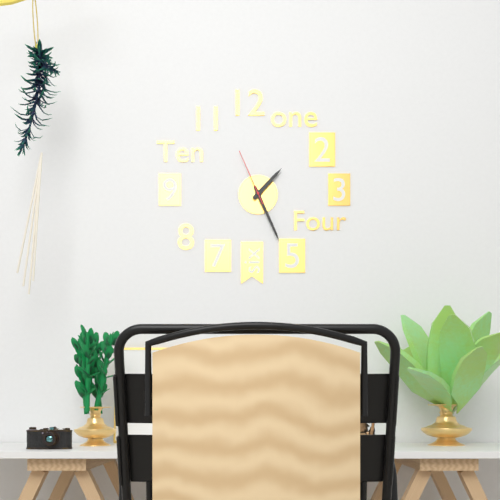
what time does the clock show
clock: 1:26:56
